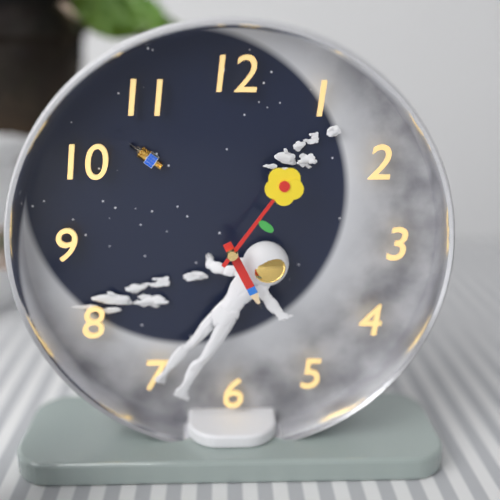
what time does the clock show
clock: 5:06
